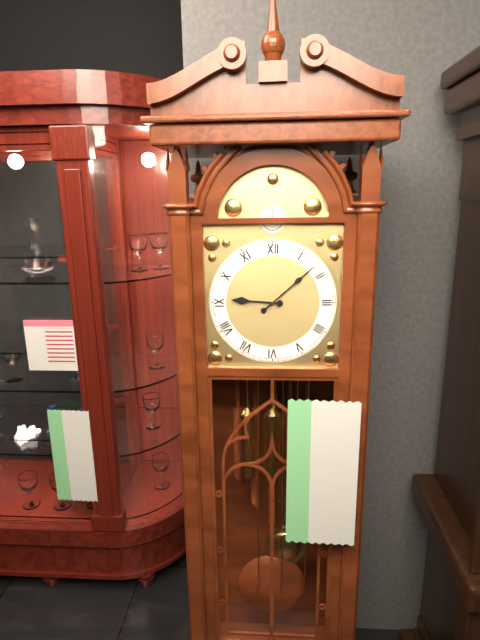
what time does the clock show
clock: 9:08
